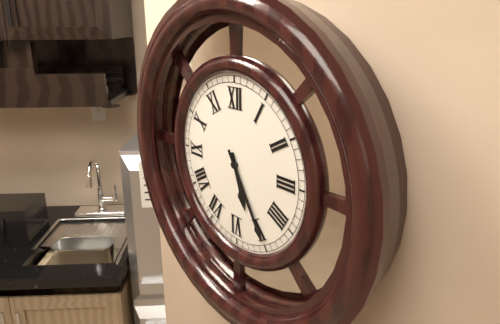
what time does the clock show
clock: 5:25
